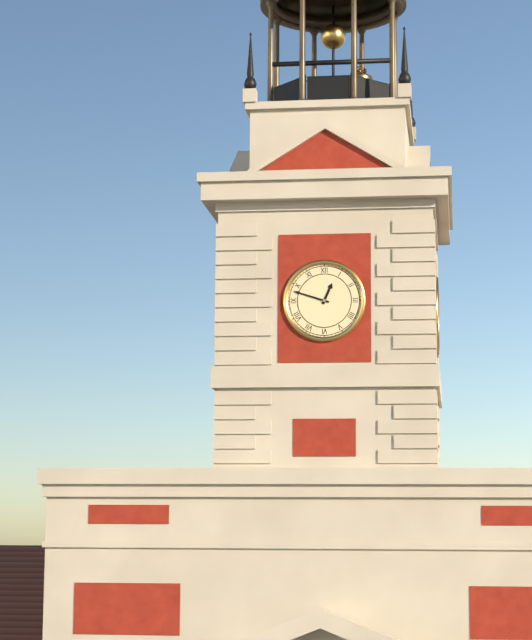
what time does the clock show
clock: 12:48
